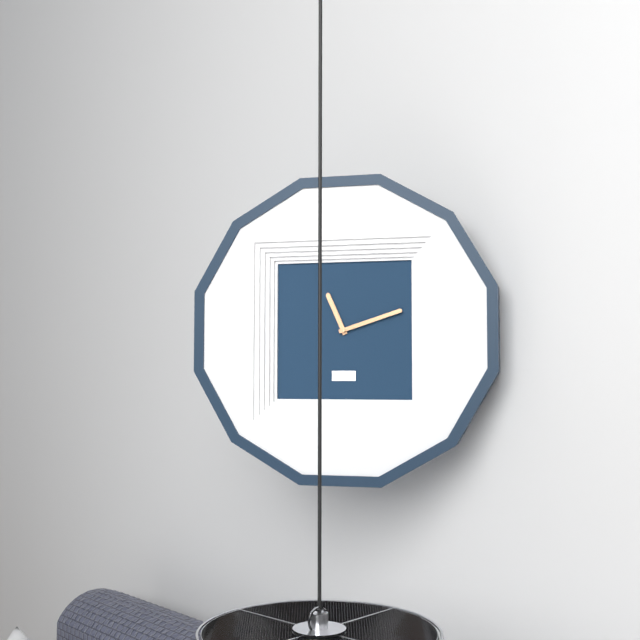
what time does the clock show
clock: 11:12
